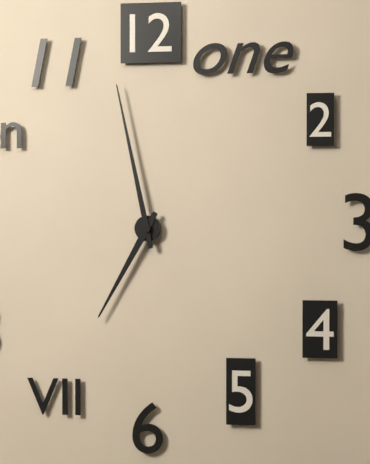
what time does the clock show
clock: 6:58
